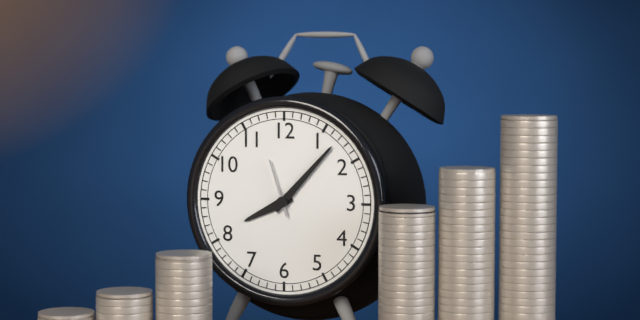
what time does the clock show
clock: 8:07:57
